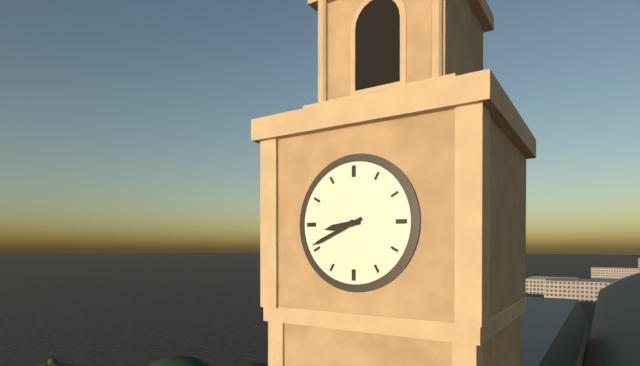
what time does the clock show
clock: 8:41
